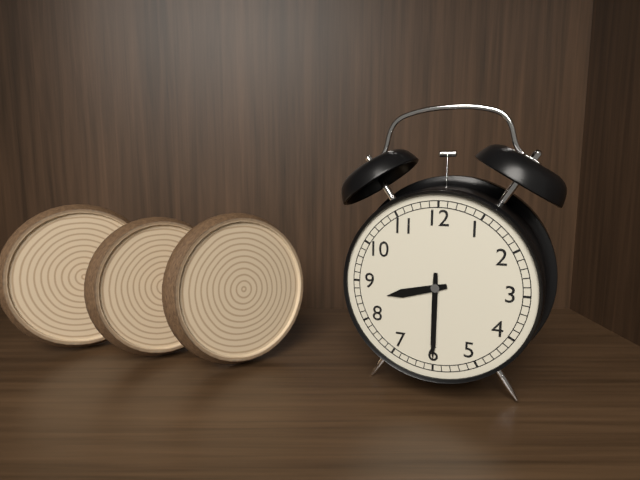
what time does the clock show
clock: 8:30
